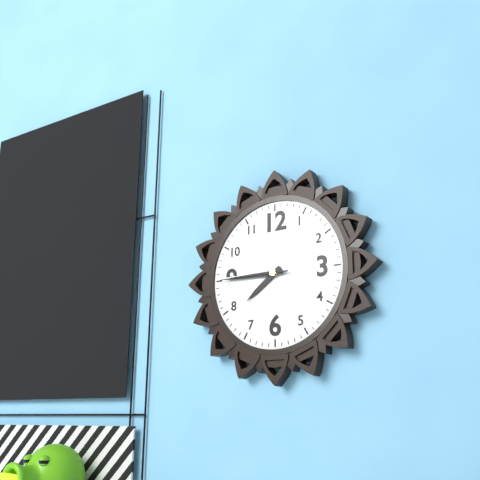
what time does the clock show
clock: 7:45:45
